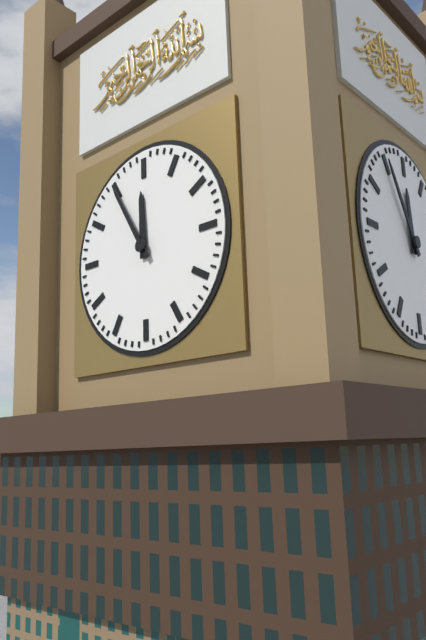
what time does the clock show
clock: 11:55
